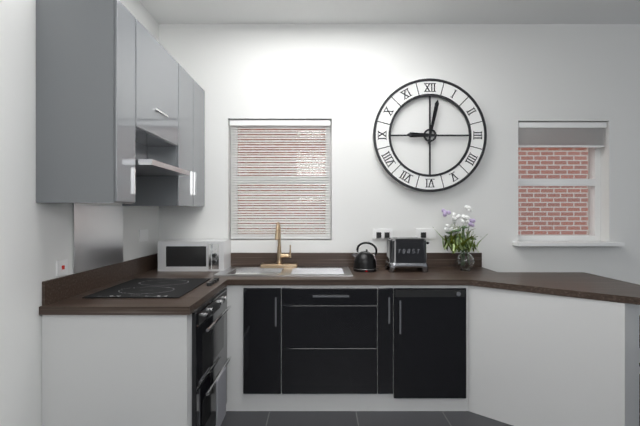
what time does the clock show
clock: 9:02
